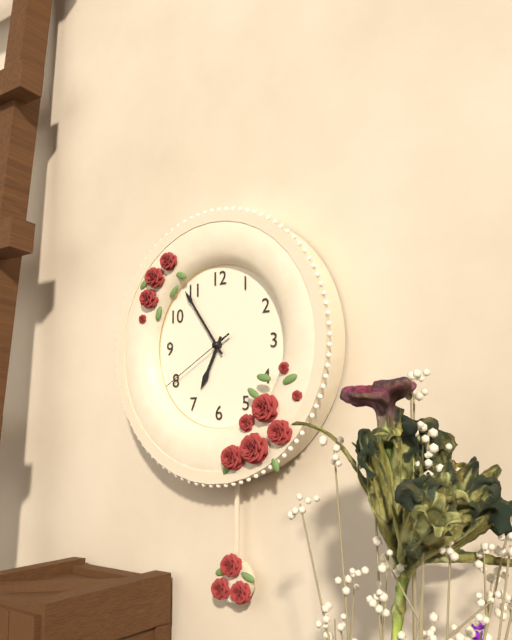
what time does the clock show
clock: 6:54:40
